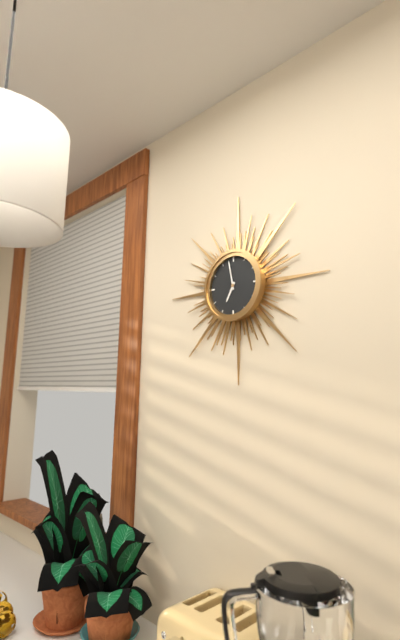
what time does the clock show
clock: 6:58
